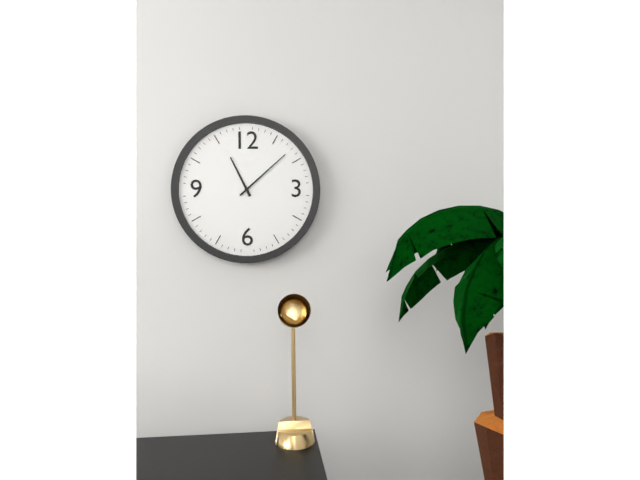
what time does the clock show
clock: 11:08
